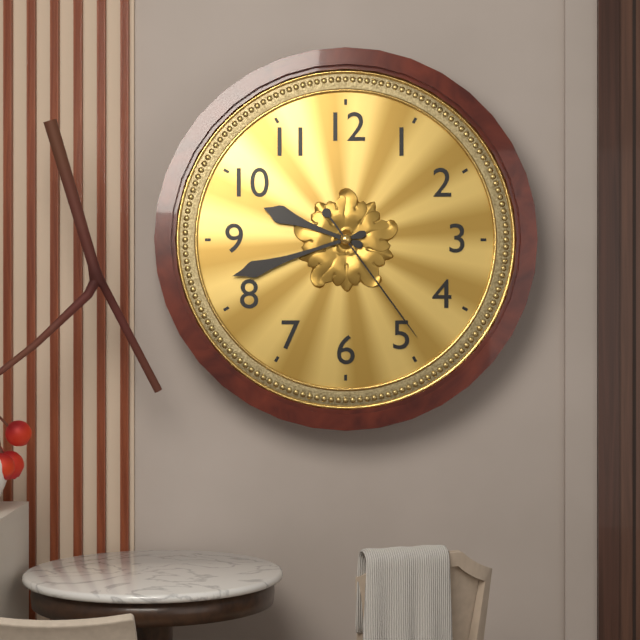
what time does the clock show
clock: 9:42:24
